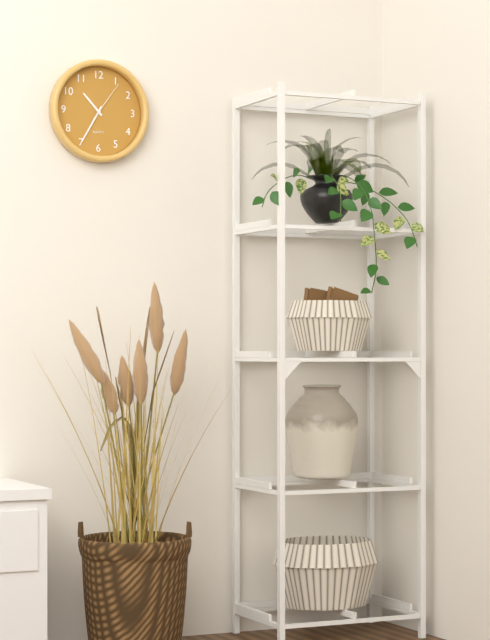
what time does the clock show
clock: 10:35
